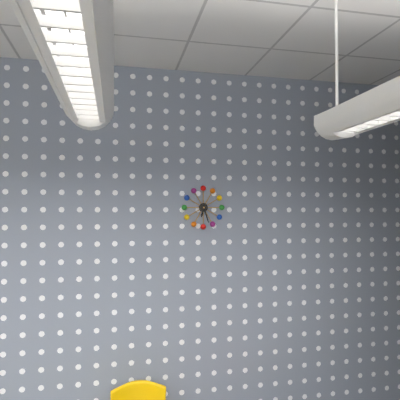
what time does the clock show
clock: 6:27
